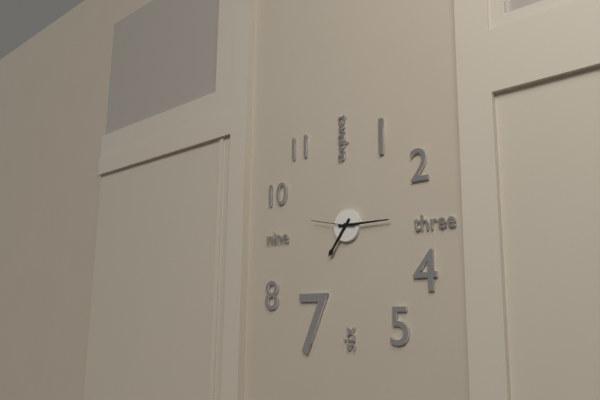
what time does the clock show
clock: 7:15
